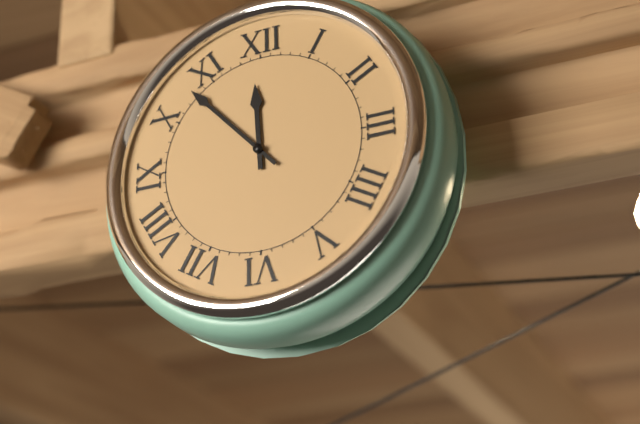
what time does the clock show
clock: 11:53
